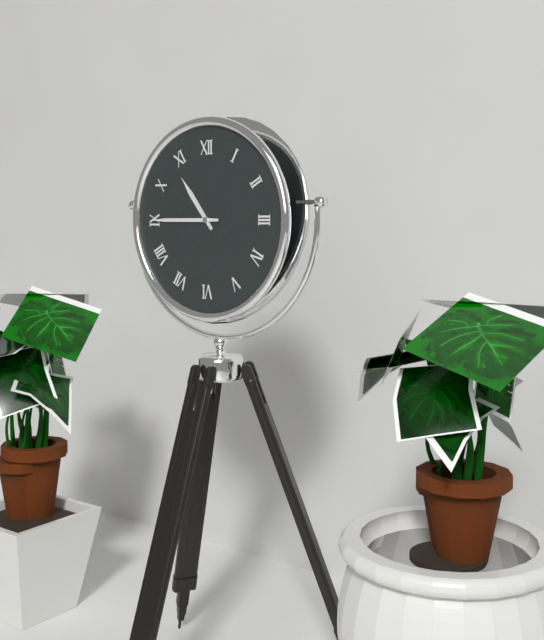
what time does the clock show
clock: 10:45
